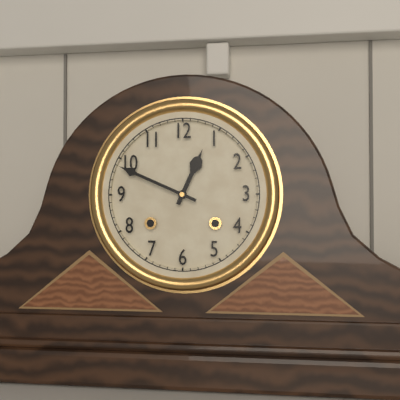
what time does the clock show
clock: 12:49
